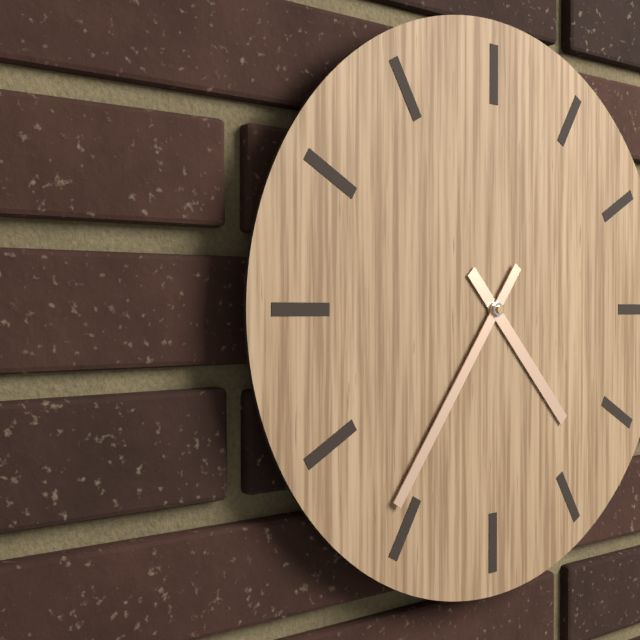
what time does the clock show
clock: 4:36
